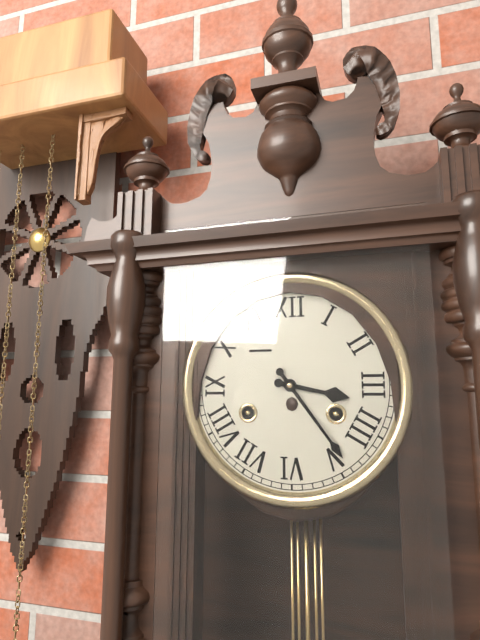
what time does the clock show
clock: 3:24
